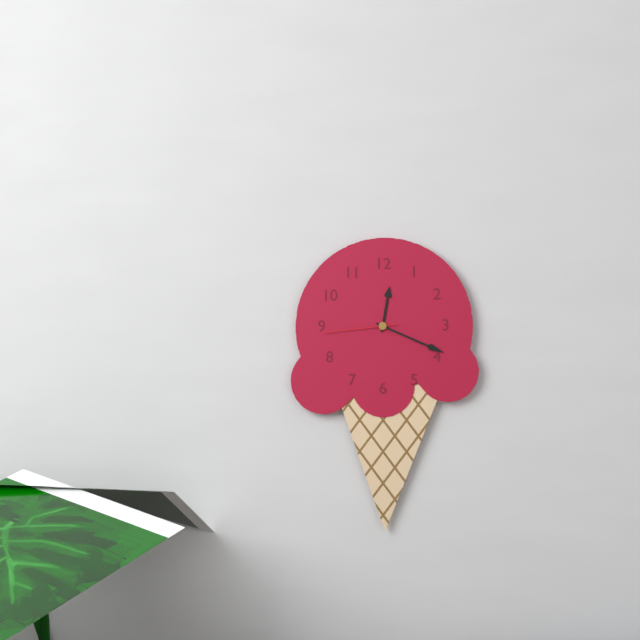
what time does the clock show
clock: 12:19:44
